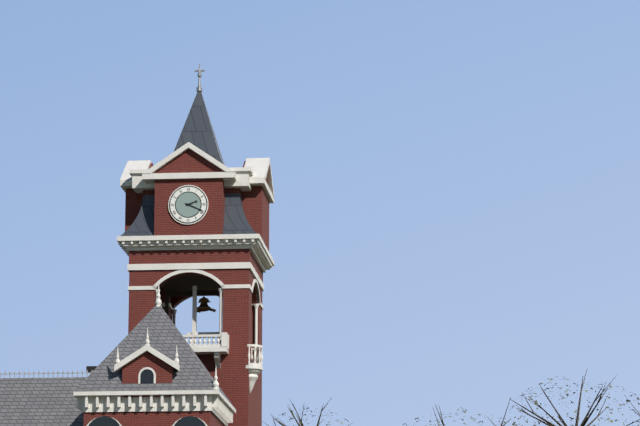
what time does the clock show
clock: 2:19
